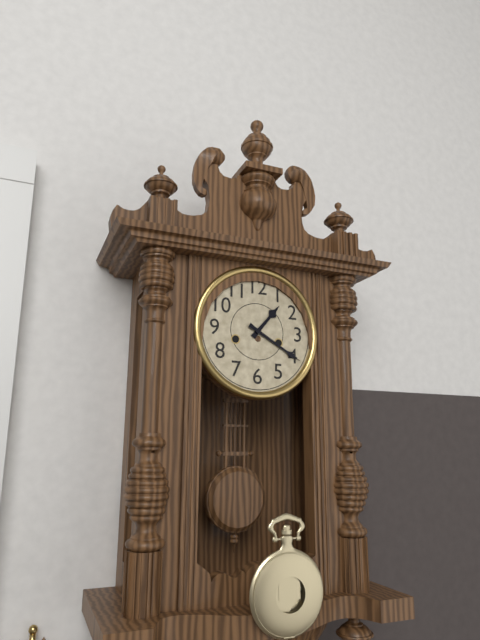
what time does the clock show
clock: 1:20
